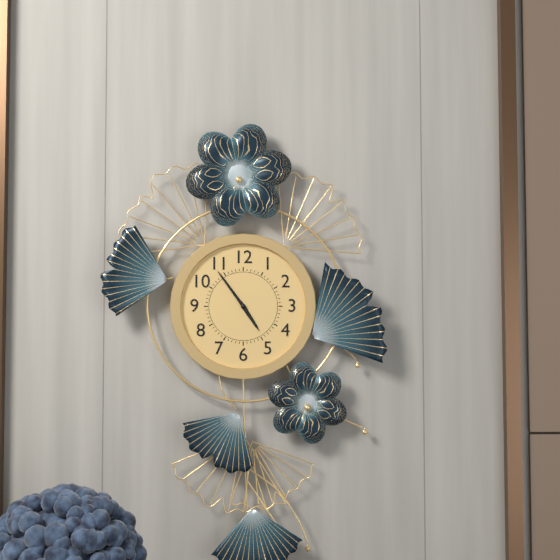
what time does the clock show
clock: 4:54
